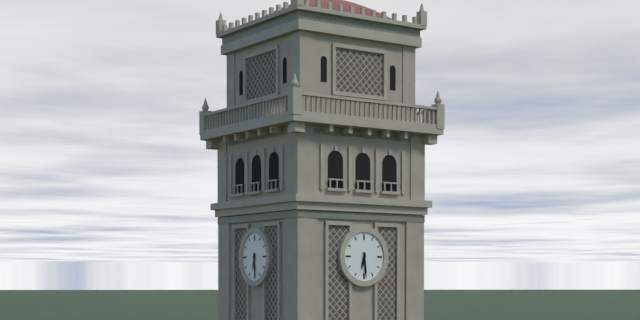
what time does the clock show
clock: 6:29
